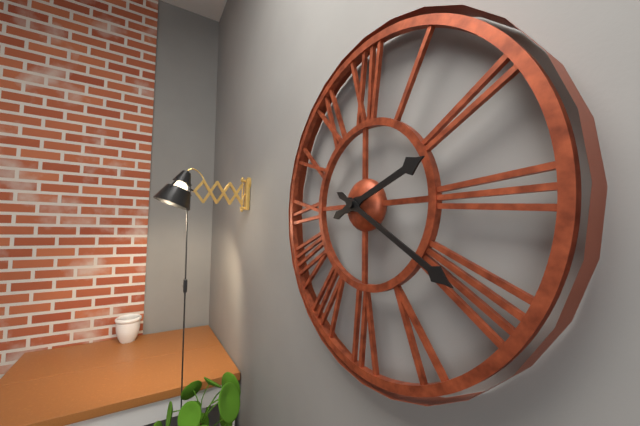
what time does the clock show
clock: 2:20
